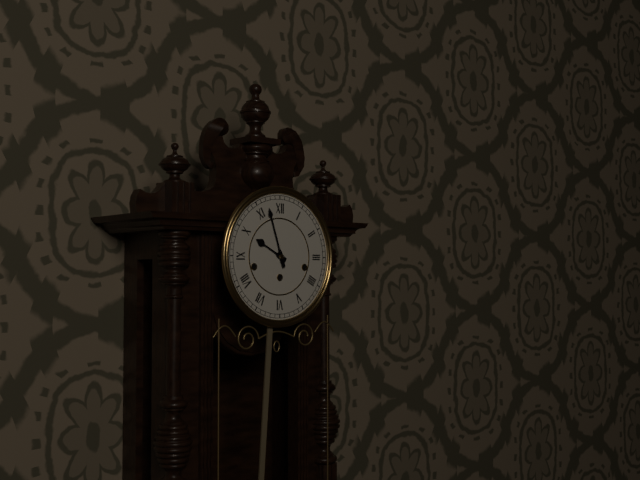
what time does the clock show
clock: 9:57
